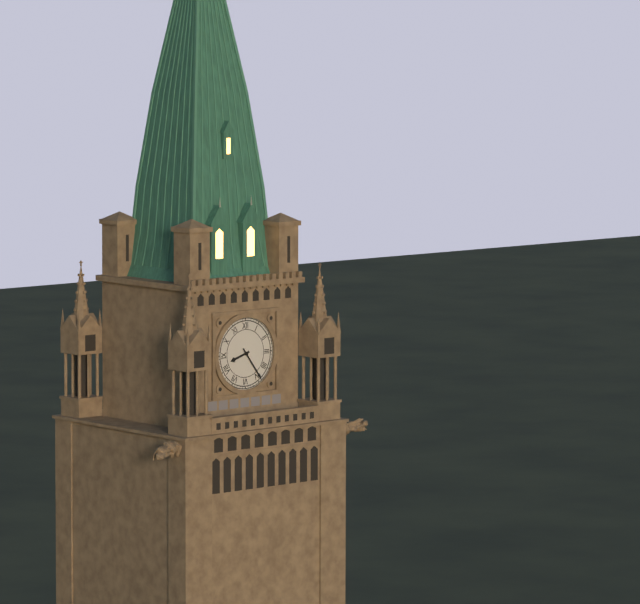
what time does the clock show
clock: 8:24
